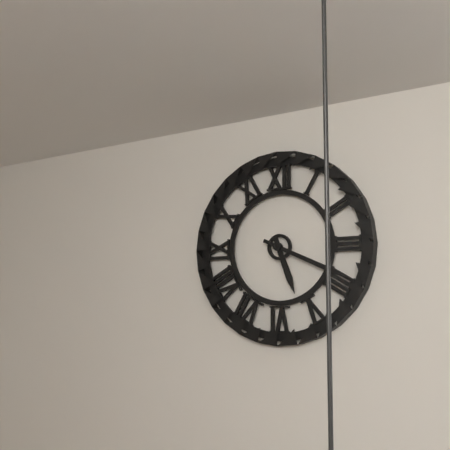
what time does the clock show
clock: 5:19
